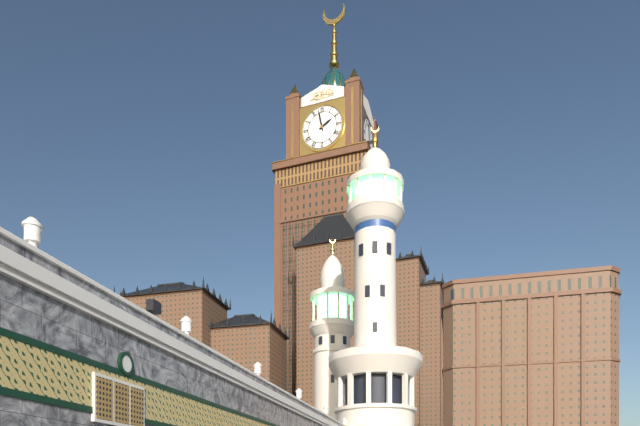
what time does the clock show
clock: 1:58
